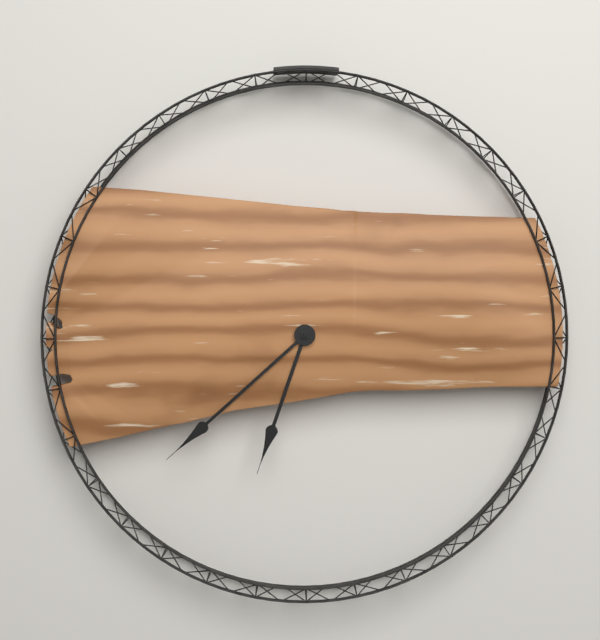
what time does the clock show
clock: 6:38
